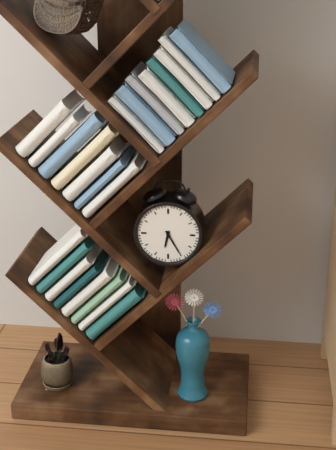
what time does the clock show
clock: 6:25
